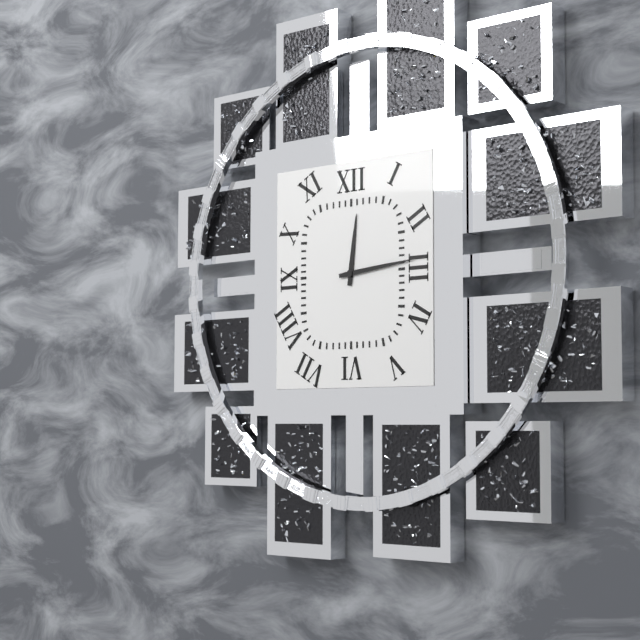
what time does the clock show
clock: 12:14
